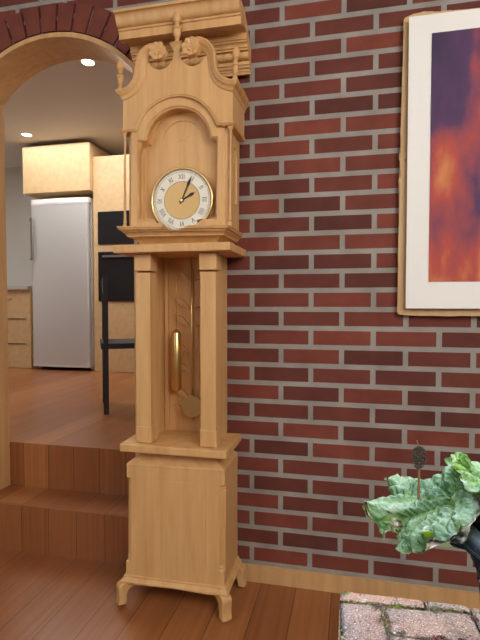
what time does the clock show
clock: 2:04
